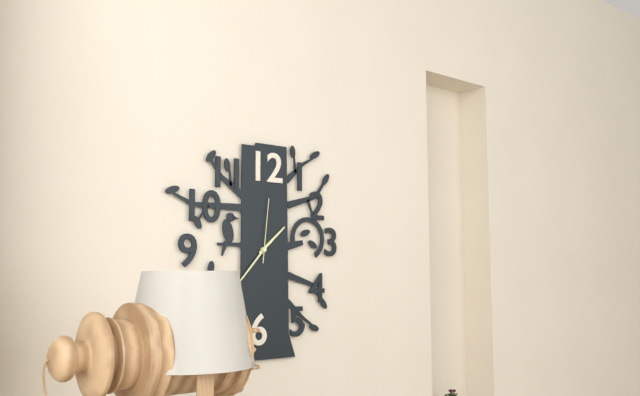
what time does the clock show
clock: 1:37:01
